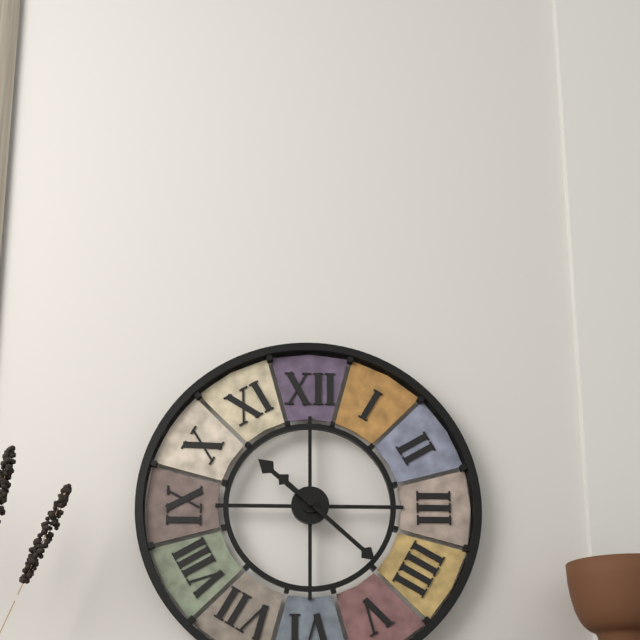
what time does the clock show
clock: 10:22
